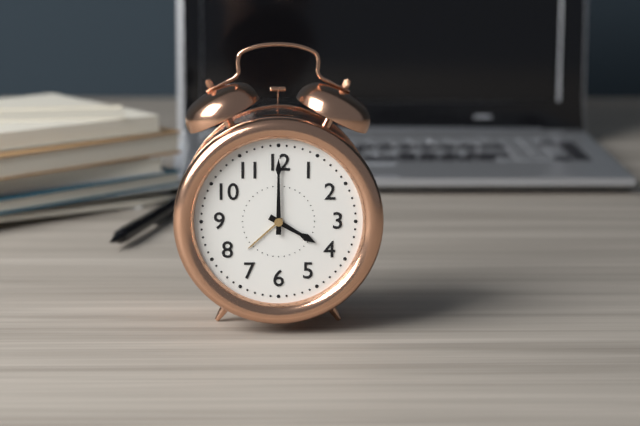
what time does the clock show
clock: 4:00
